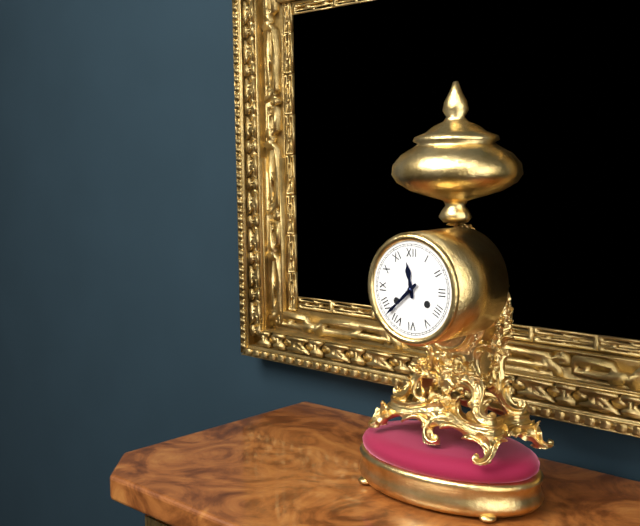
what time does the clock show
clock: 11:38
